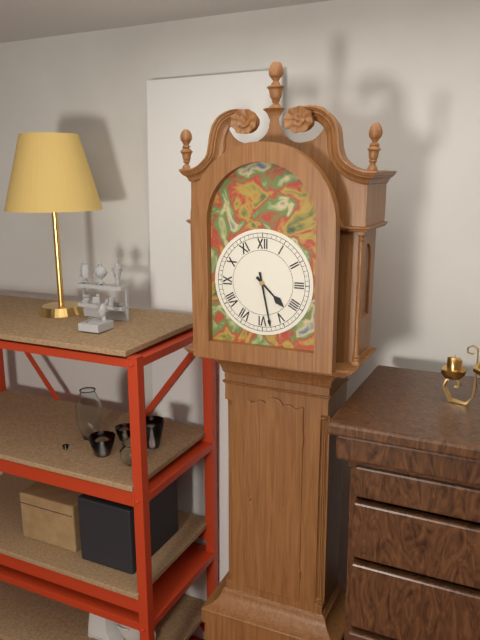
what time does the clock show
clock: 4:28
